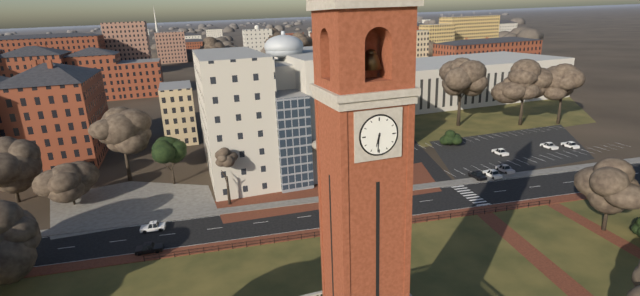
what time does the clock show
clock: 6:31
